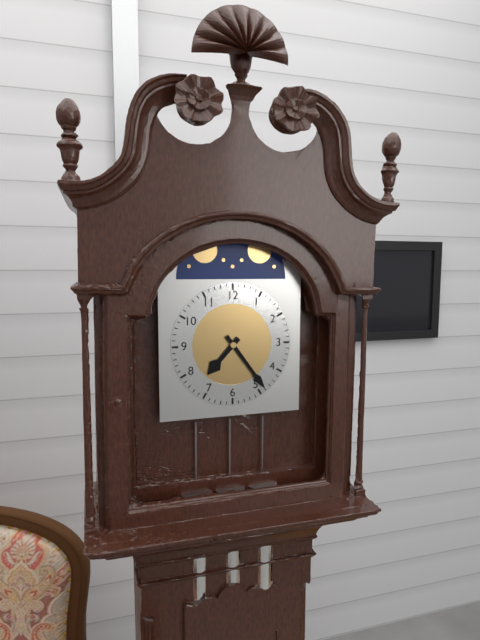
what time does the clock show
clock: 7:24
